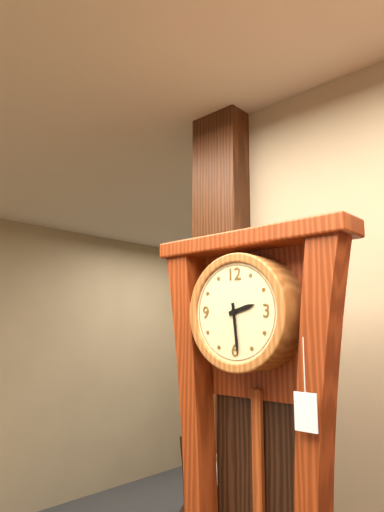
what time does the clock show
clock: 2:29
